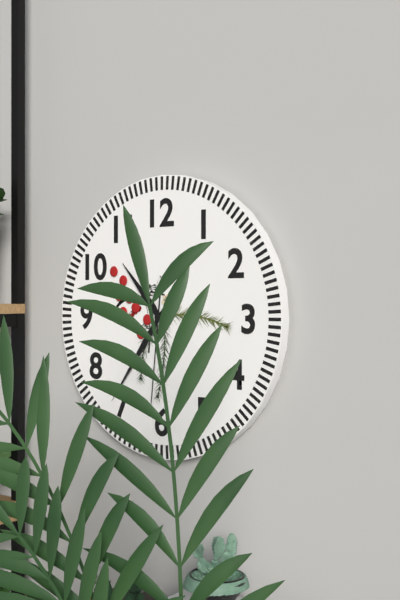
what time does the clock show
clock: 10:36:31
